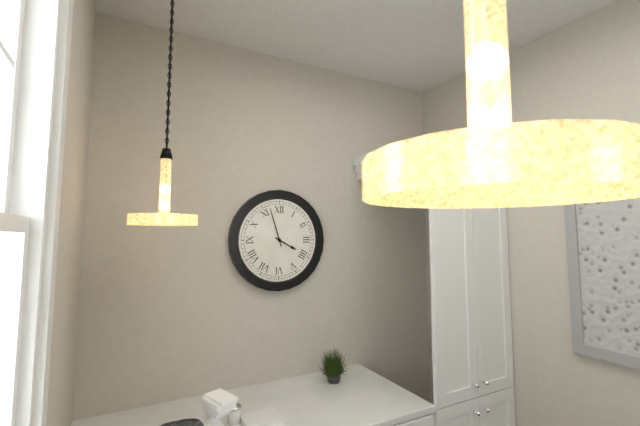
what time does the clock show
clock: 3:57
